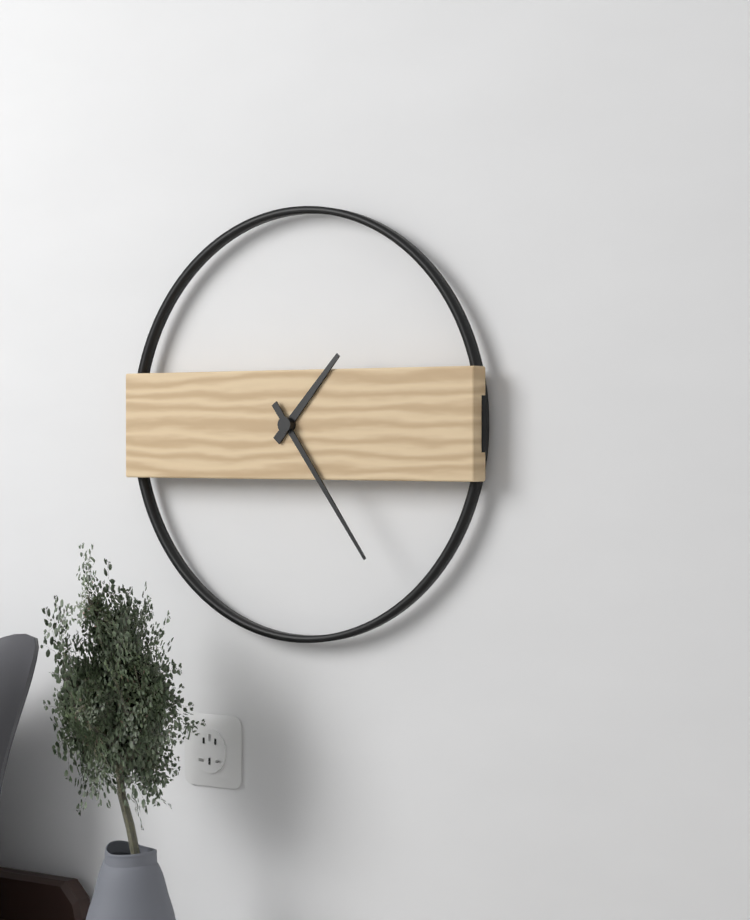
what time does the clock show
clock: 1:24
